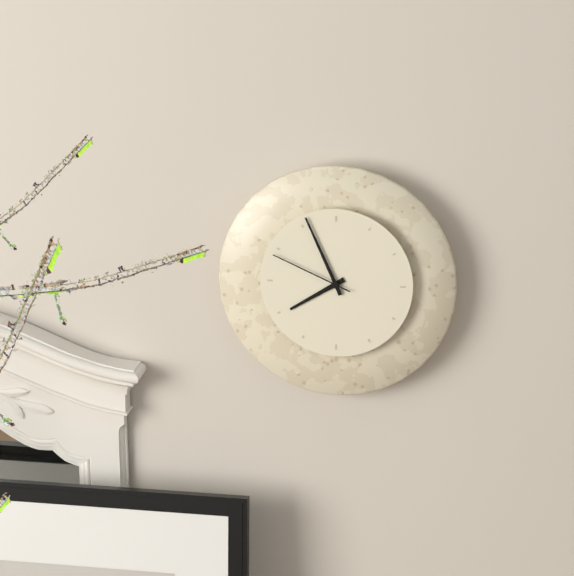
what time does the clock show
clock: 7:56:49
